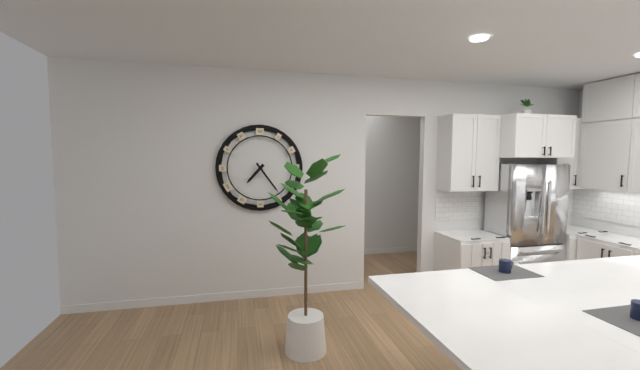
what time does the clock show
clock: 7:24
